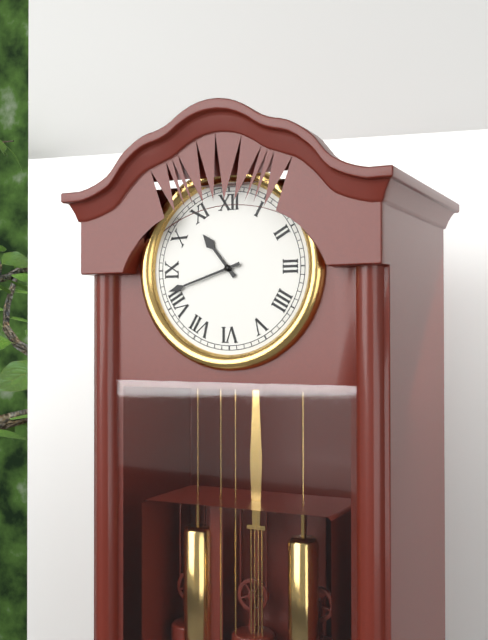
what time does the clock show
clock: 10:42
